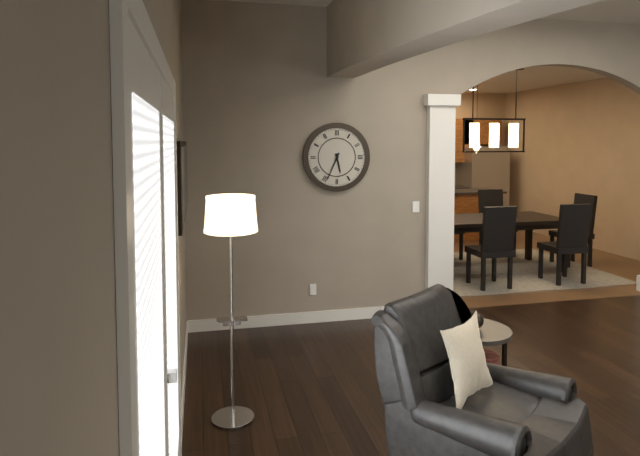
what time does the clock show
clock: 5:34
